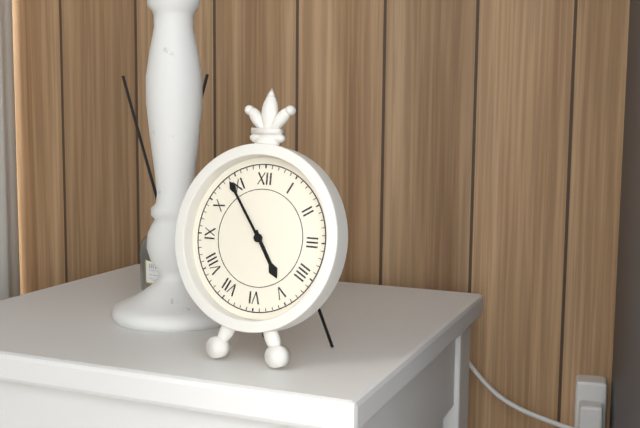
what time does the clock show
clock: 4:54
